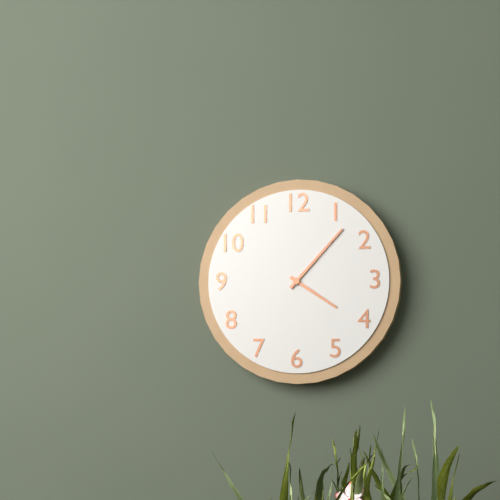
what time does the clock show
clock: 4:07
